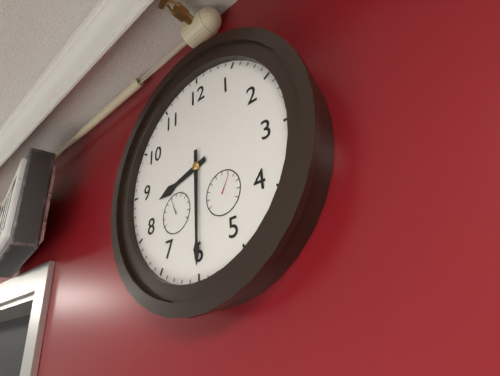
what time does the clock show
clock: 8:30
